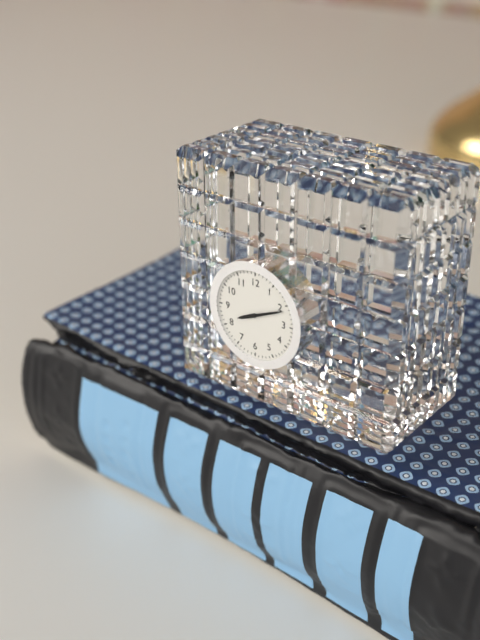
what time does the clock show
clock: 8:11
